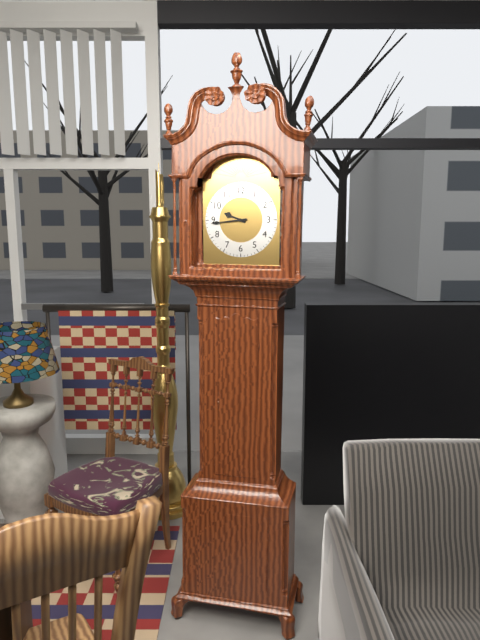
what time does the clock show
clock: 9:44
